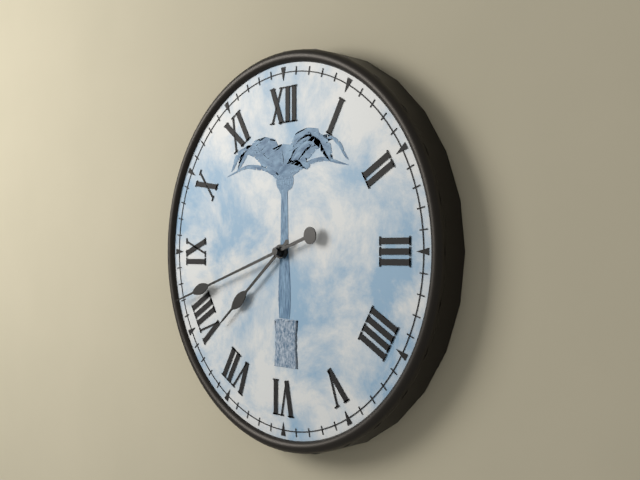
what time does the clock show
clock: 7:42
